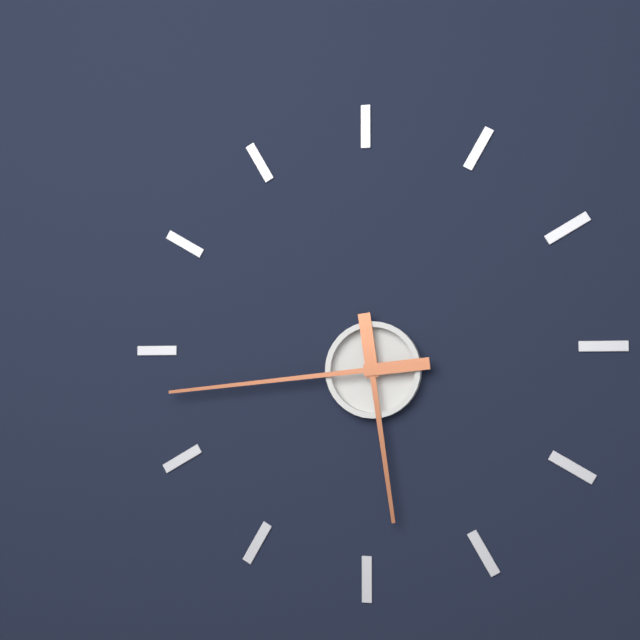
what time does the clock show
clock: 5:44
